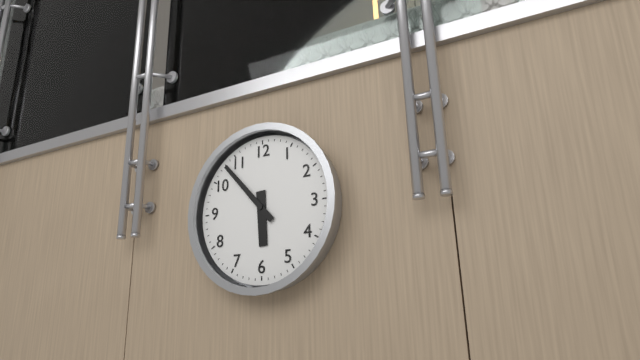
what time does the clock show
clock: 5:53
